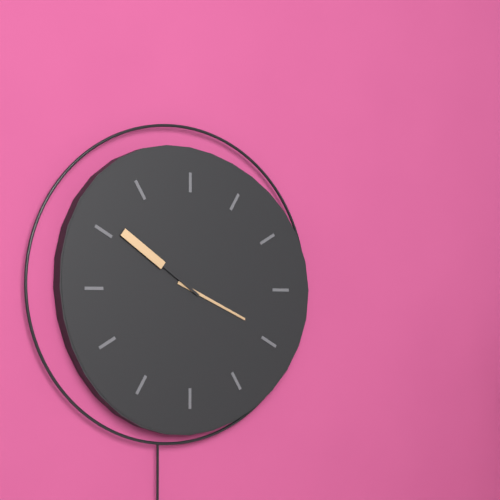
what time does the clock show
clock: 3:51
